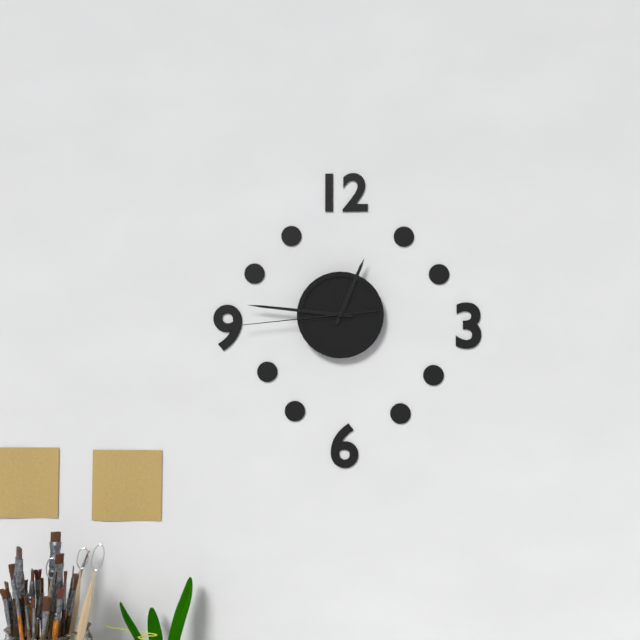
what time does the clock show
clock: 12:46:44
